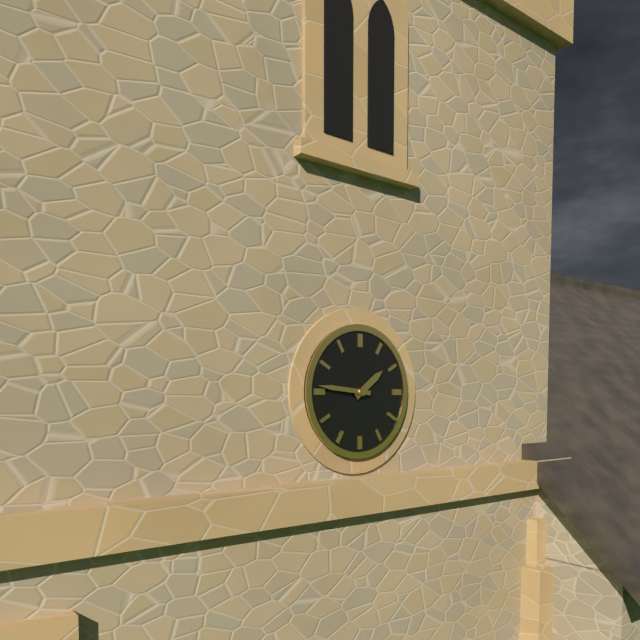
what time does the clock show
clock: 1:46
